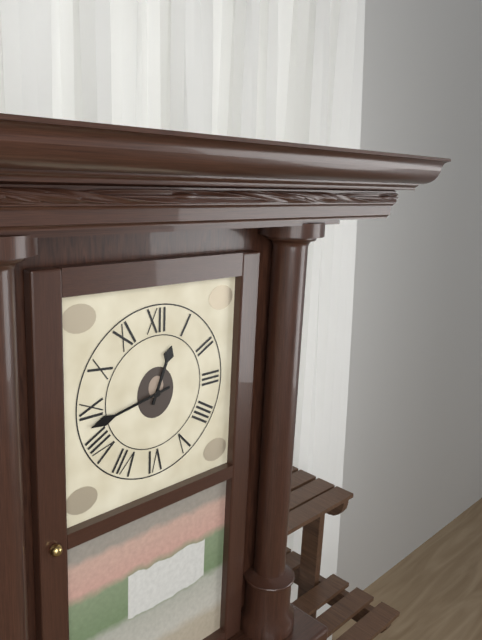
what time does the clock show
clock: 12:43
